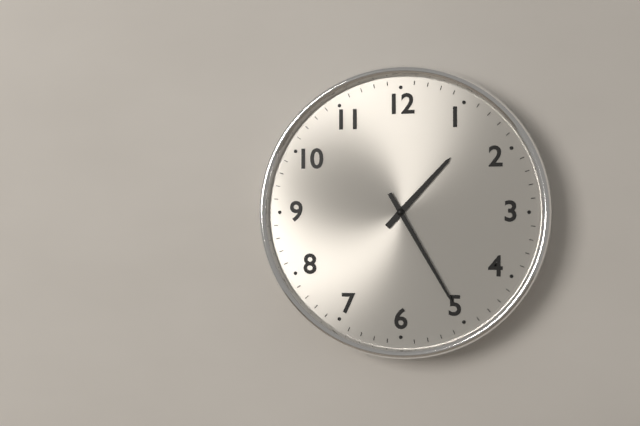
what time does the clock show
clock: 1:25
